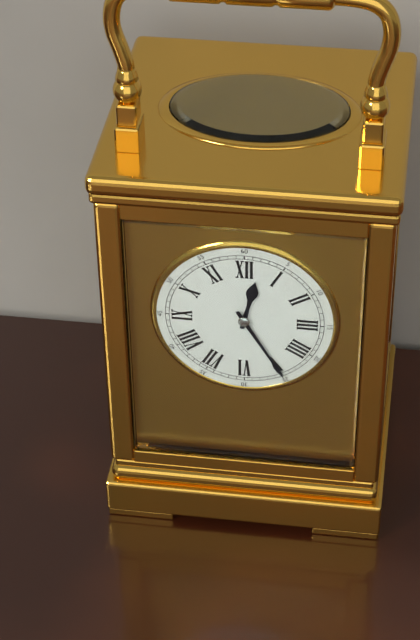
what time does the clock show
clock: 12:25
